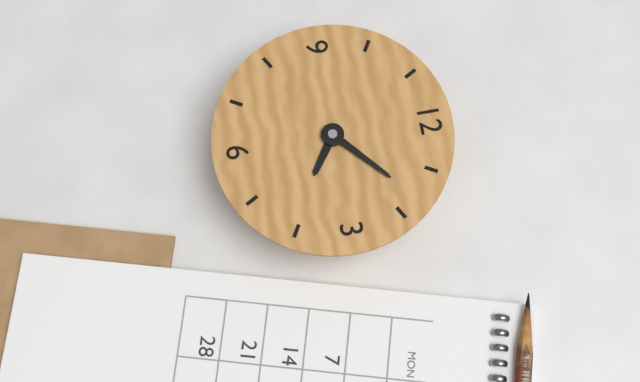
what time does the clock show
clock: 4:08
